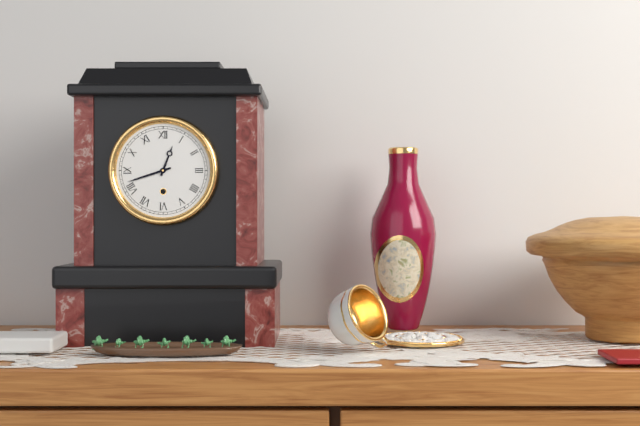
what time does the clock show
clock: 12:42
